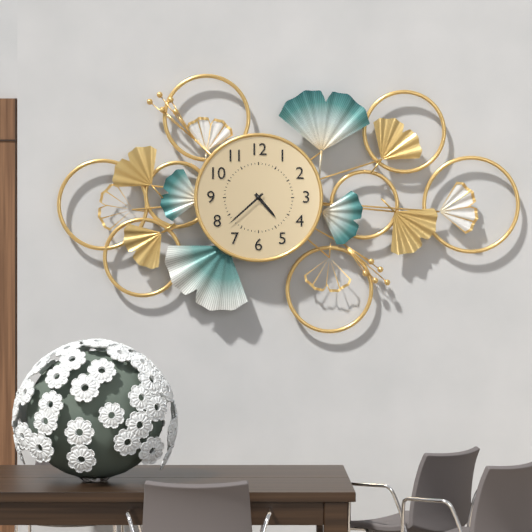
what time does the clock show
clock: 4:38
